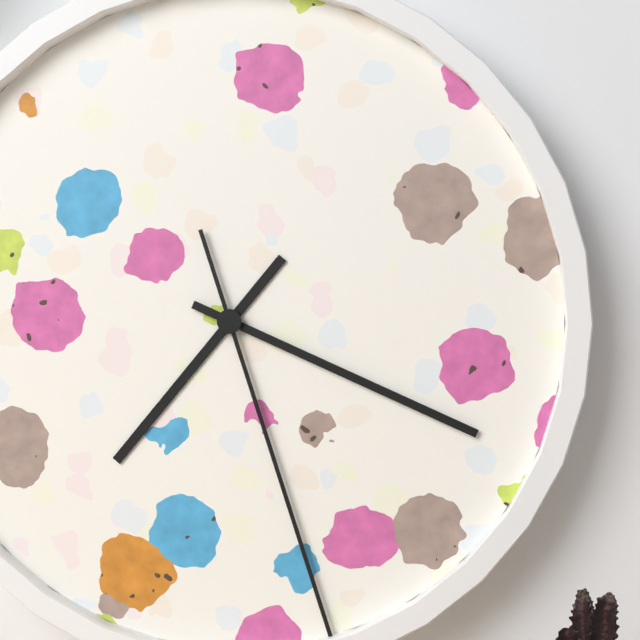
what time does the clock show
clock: 7:19:27
